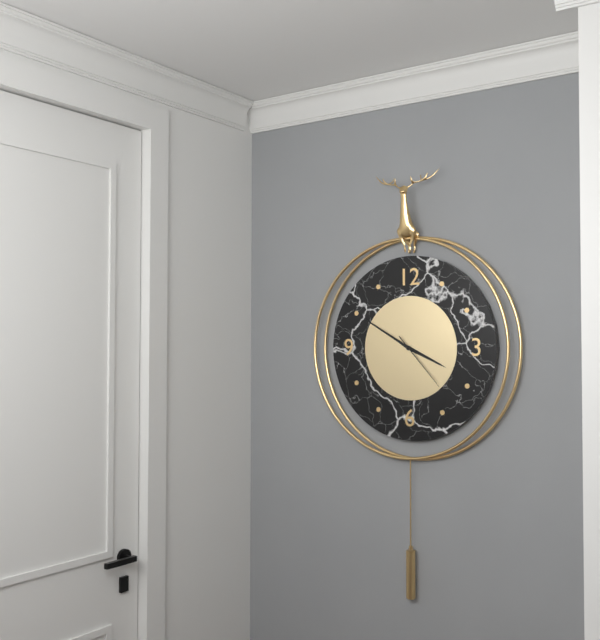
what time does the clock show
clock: 3:50:23
